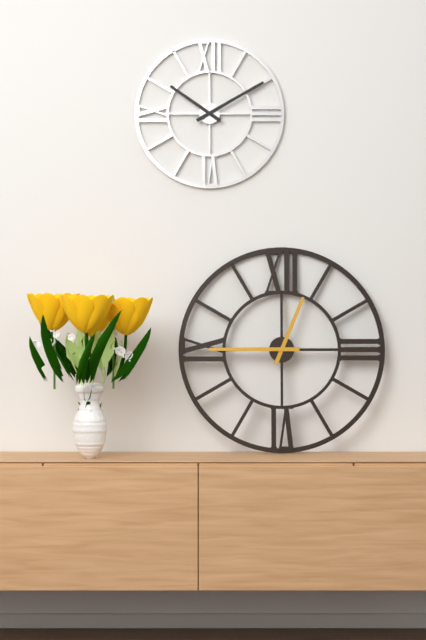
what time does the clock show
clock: 12:45
